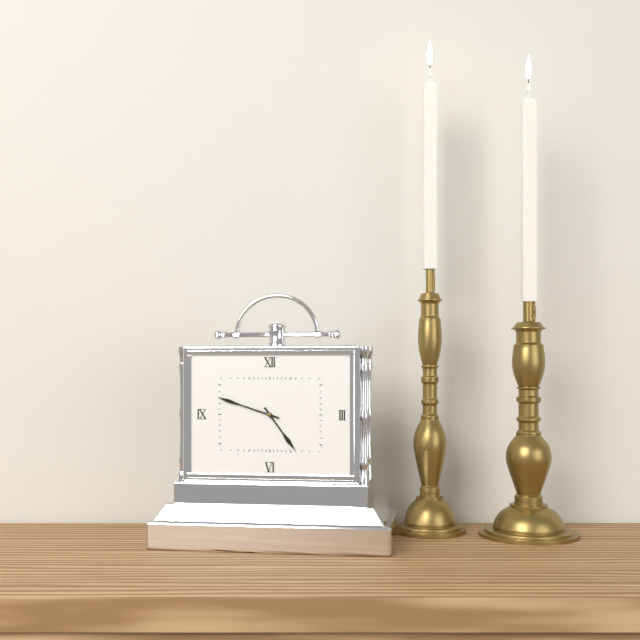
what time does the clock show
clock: 4:48
